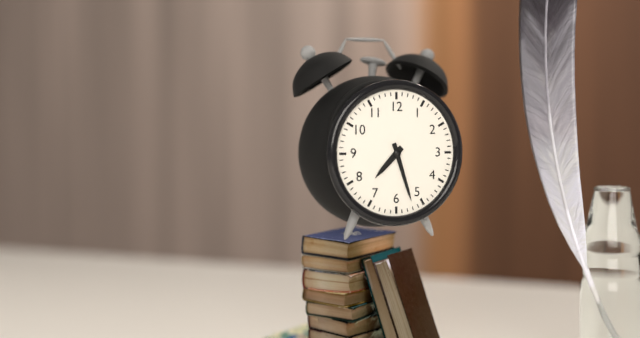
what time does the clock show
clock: 7:27
